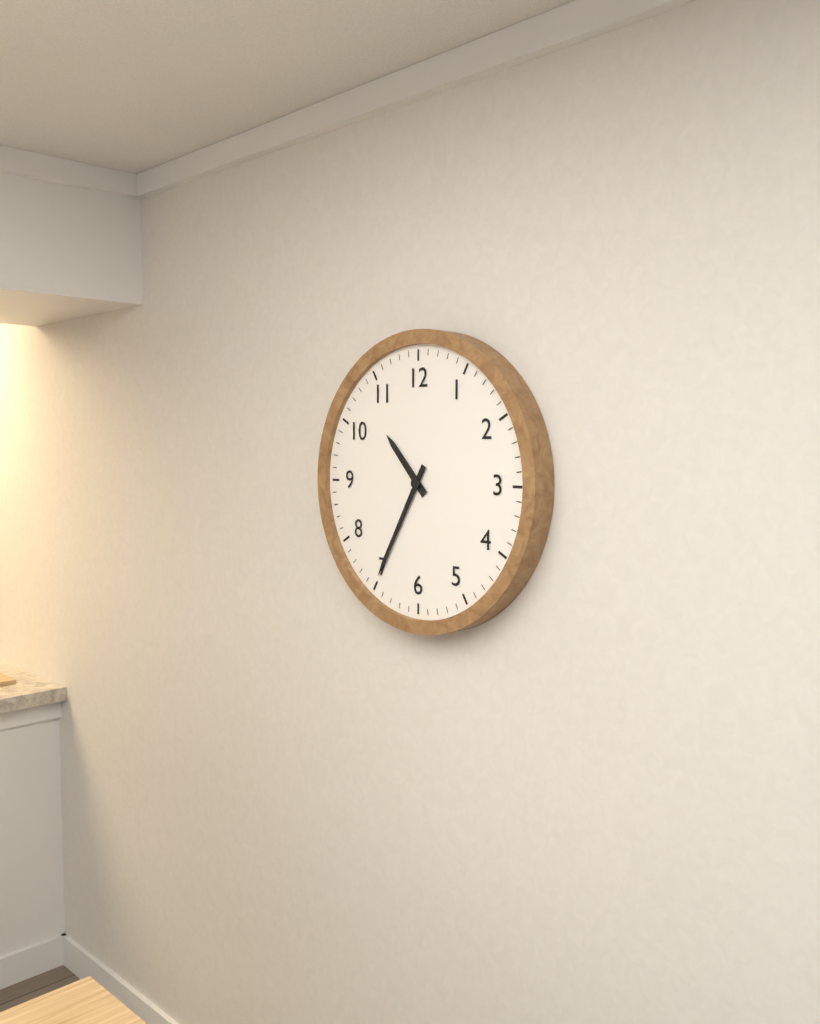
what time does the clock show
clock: 10:35
